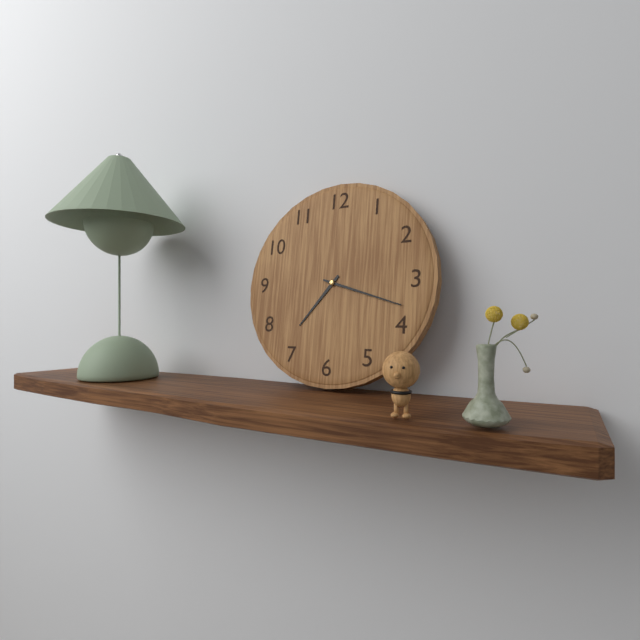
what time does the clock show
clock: 7:18
